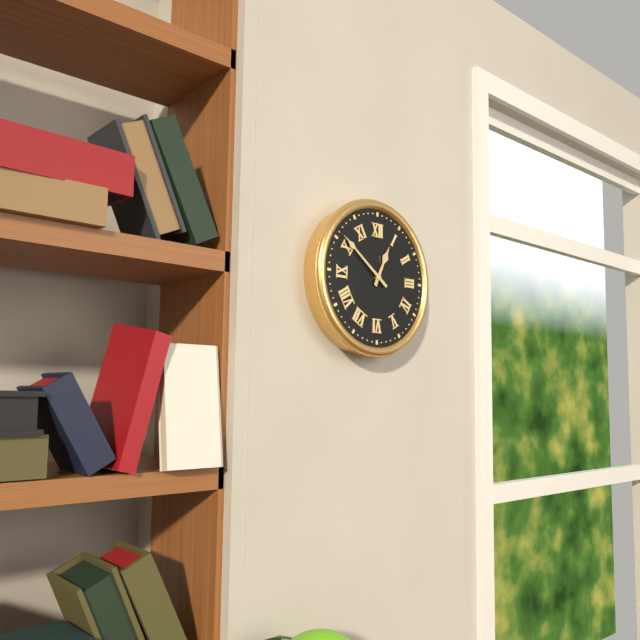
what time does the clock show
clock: 12:51
